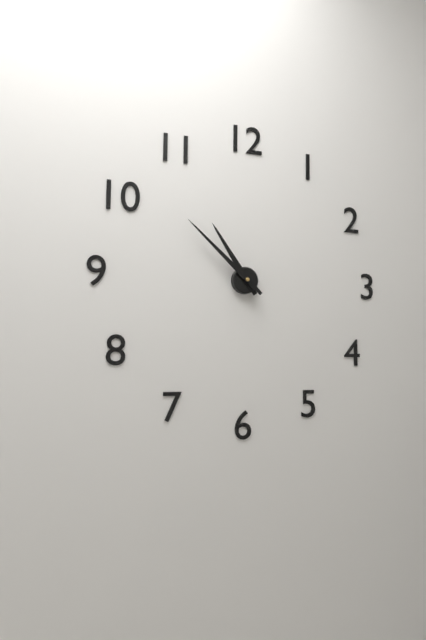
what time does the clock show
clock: 10:52
